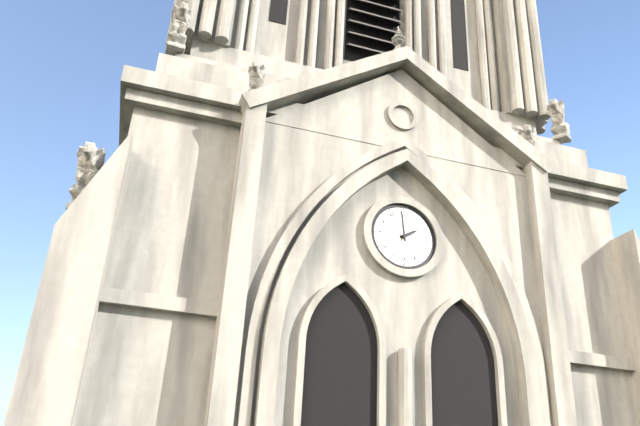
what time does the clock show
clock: 1:59
